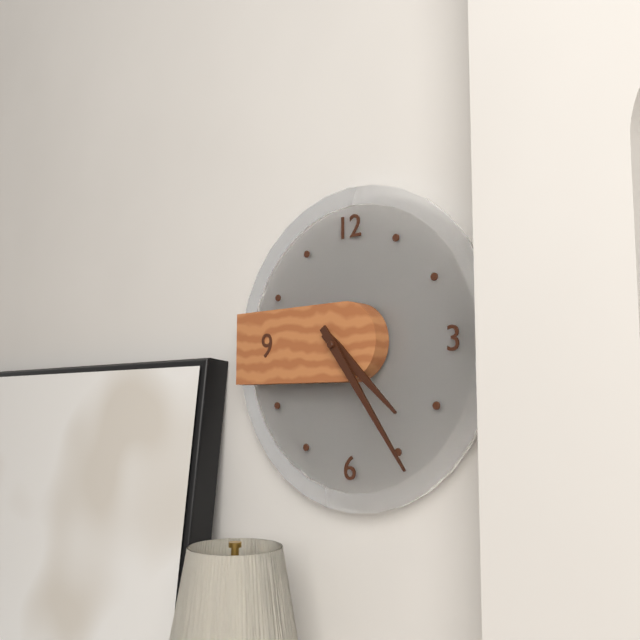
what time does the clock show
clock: 4:24
